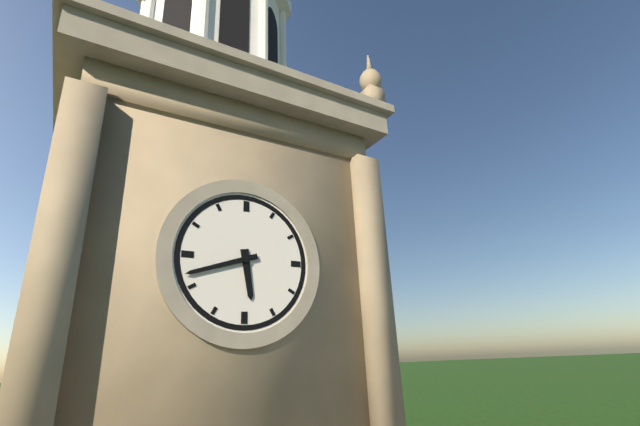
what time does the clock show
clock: 5:42
